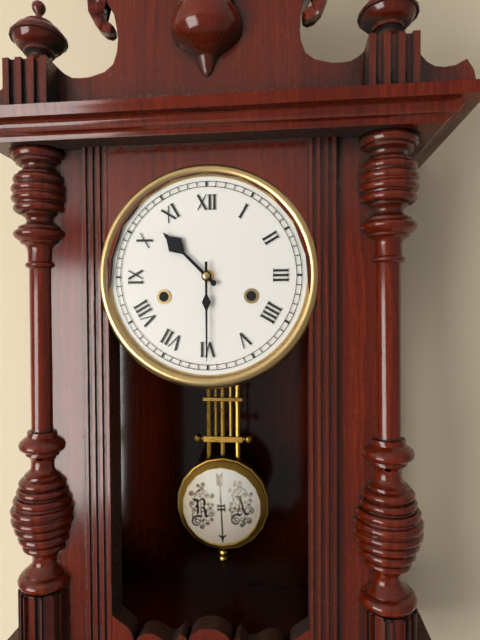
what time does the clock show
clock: 10:30
